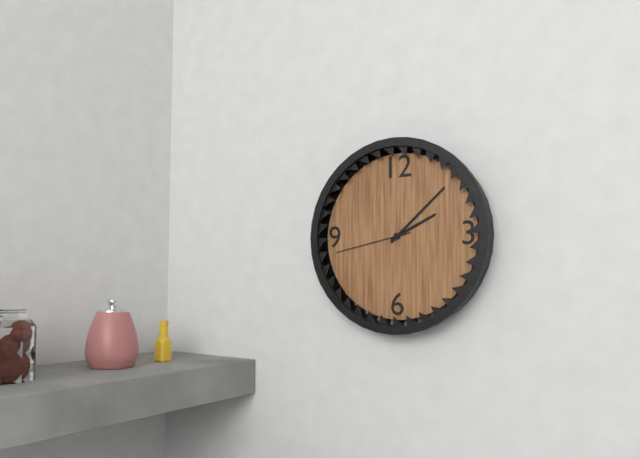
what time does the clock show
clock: 2:08:43
